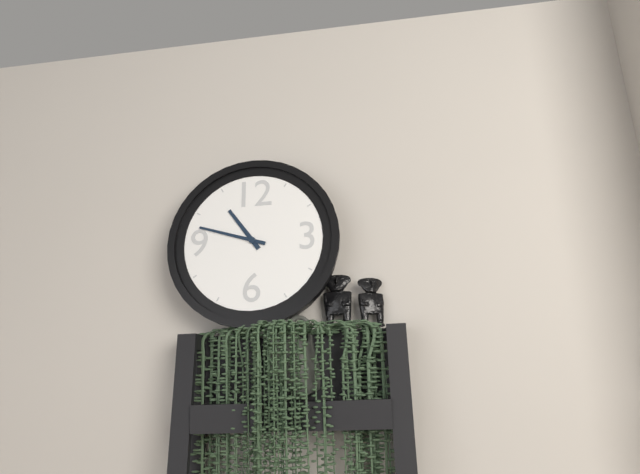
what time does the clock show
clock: 10:48
